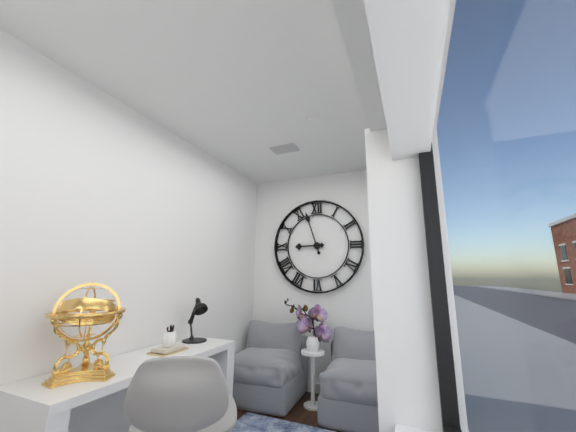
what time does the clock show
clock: 8:57
